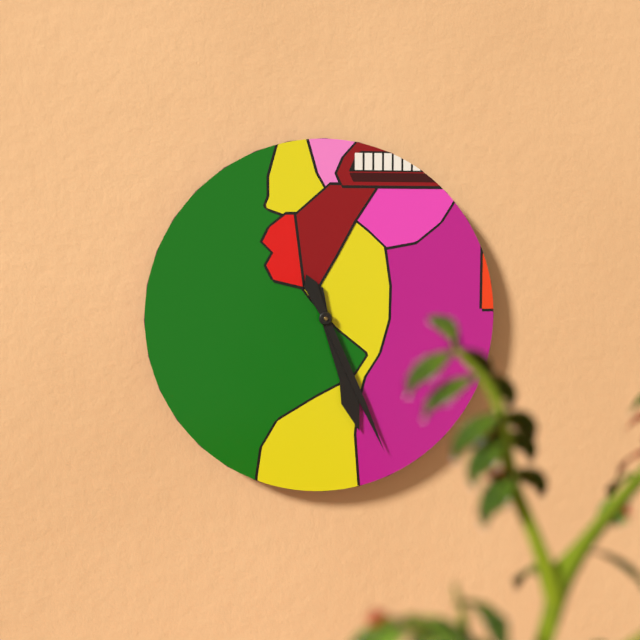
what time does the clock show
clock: 5:26
